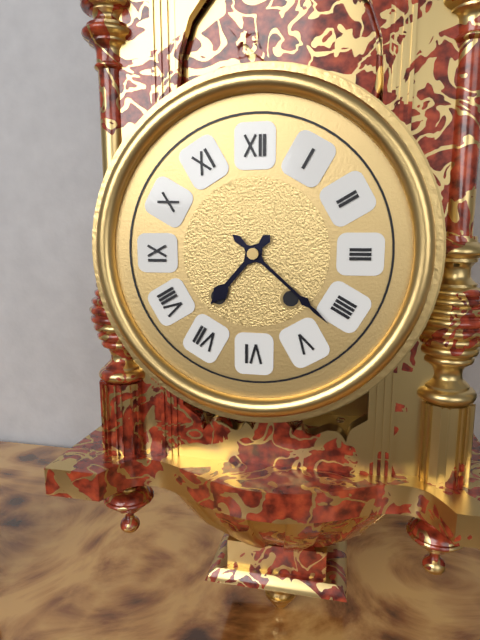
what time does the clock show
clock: 7:22
